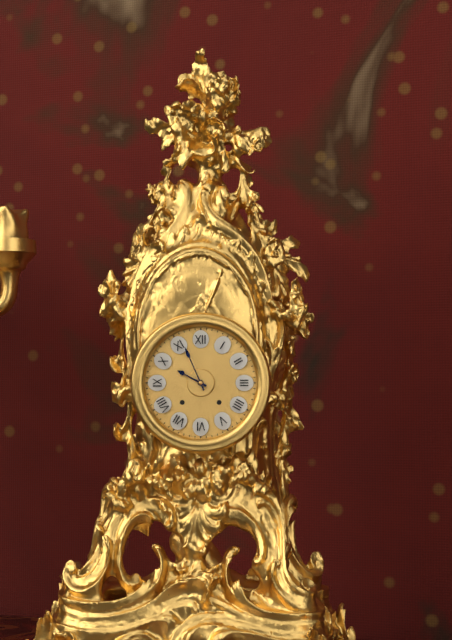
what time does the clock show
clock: 9:56
